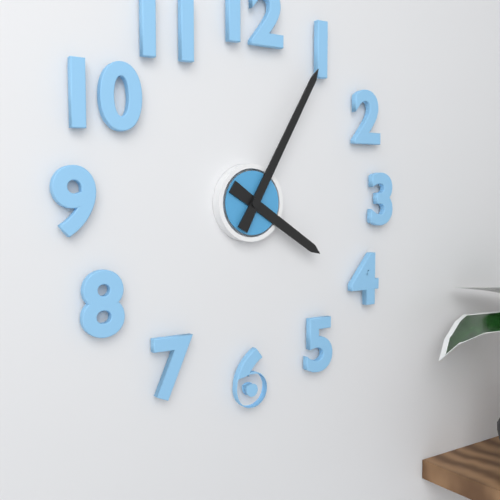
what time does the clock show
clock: 4:05
